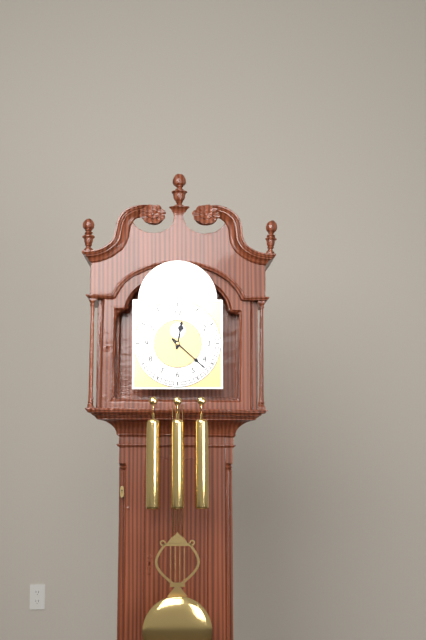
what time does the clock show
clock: 12:22
